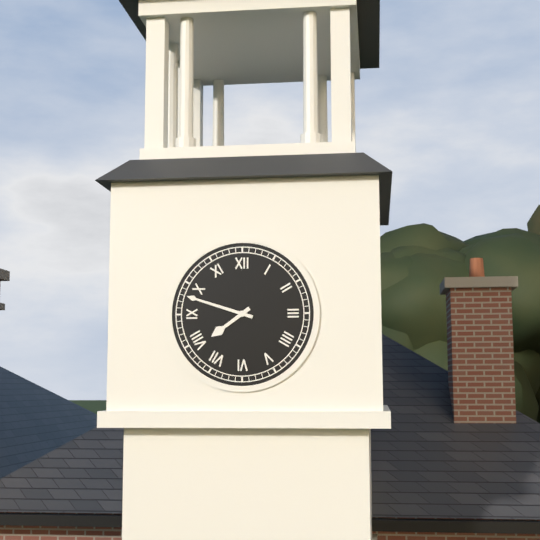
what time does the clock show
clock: 7:48
